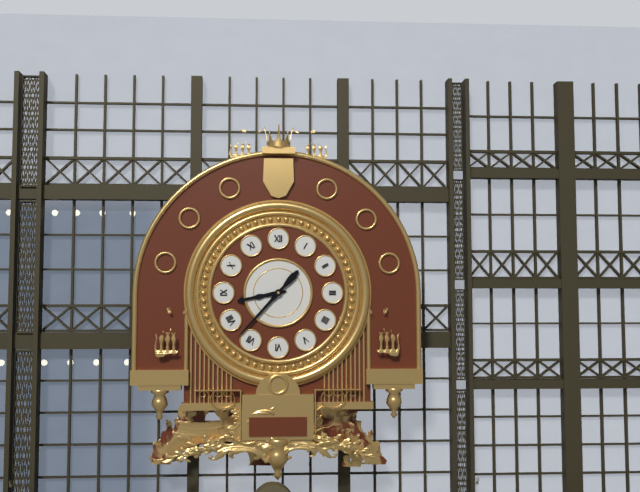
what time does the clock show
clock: 8:37
